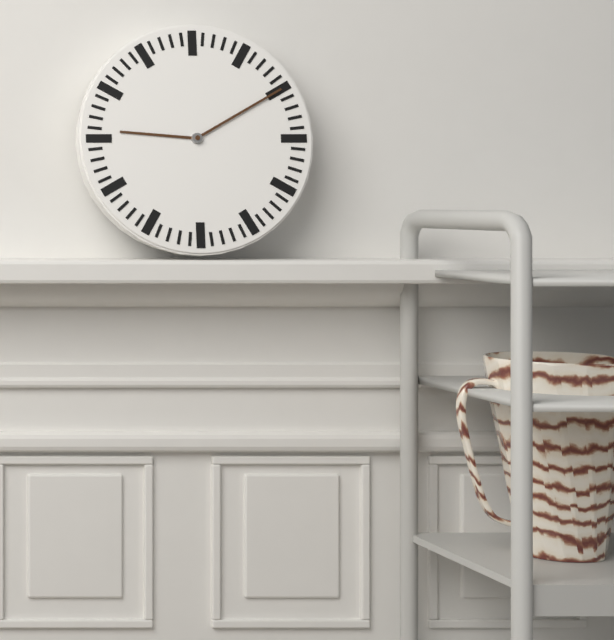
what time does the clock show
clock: 9:10
